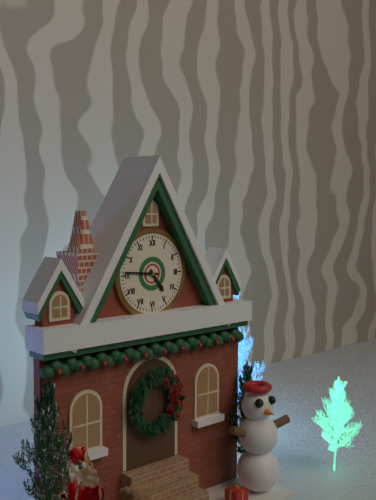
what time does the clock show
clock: 4:46
